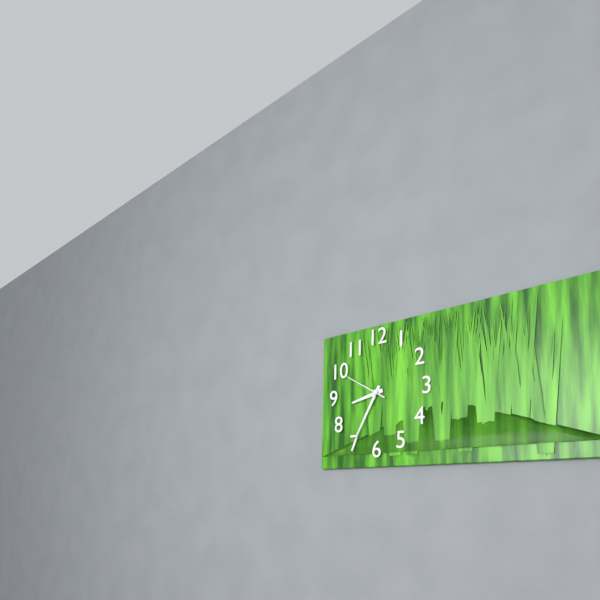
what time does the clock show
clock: 8:35
